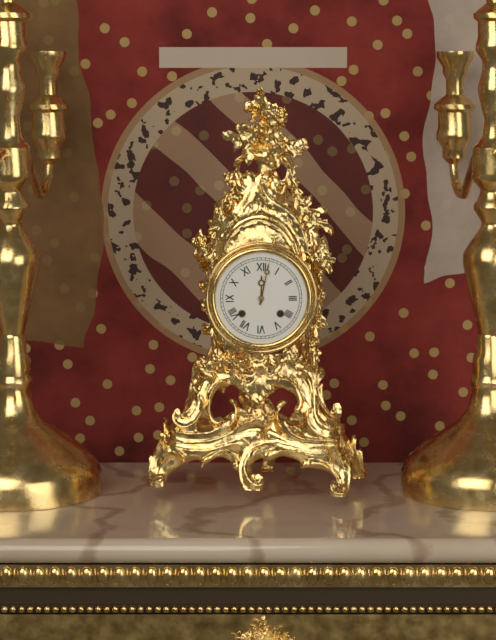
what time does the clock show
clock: 12:02
